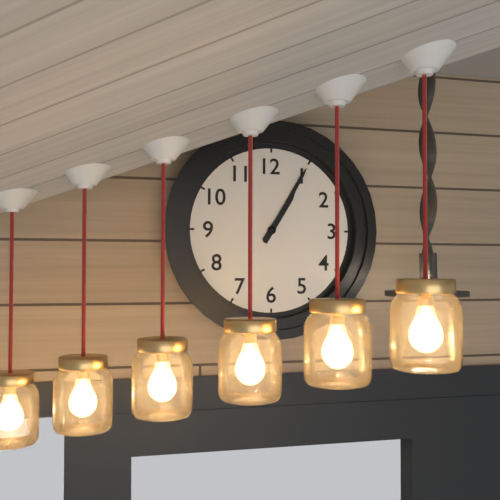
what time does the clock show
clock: 1:05
